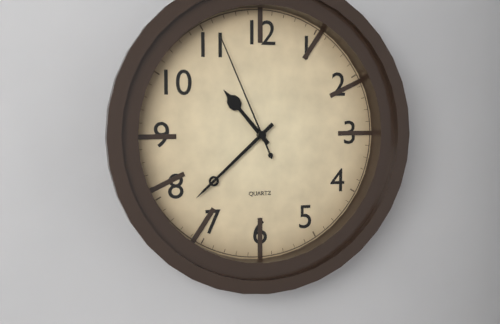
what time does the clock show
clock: 10:38:56
